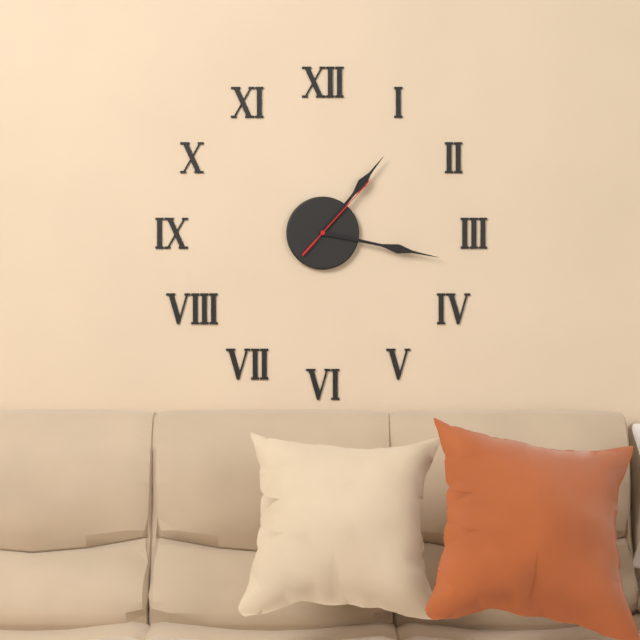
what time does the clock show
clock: 1:17:07
